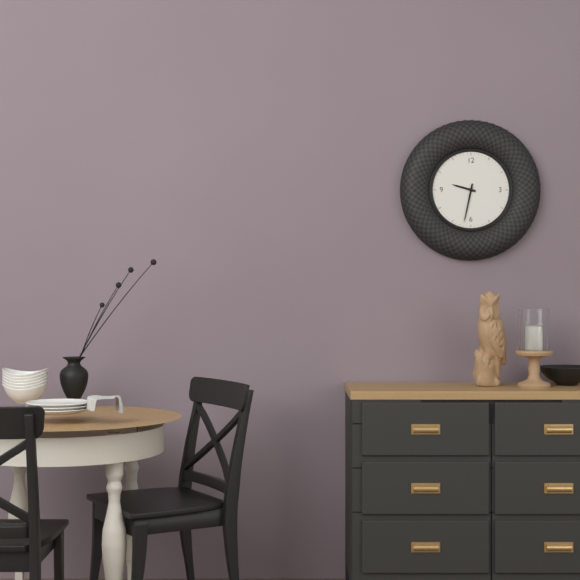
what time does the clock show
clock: 9:32
